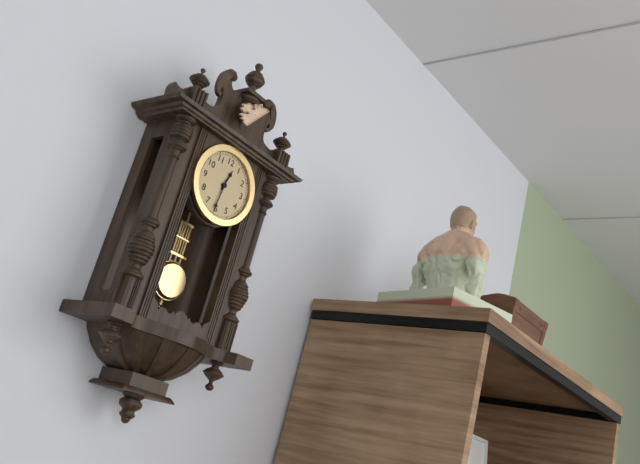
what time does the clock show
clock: 12:31
